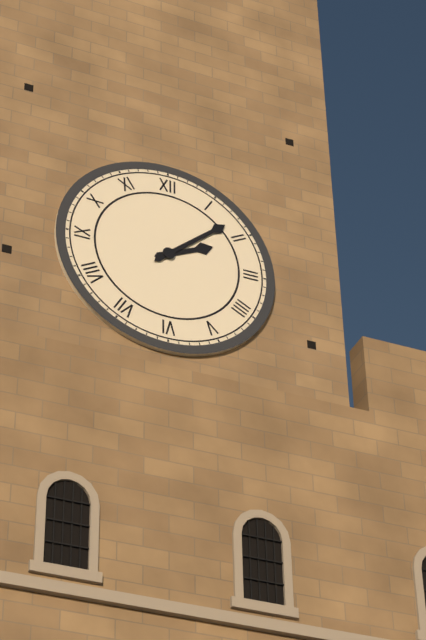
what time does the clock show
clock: 2:08
